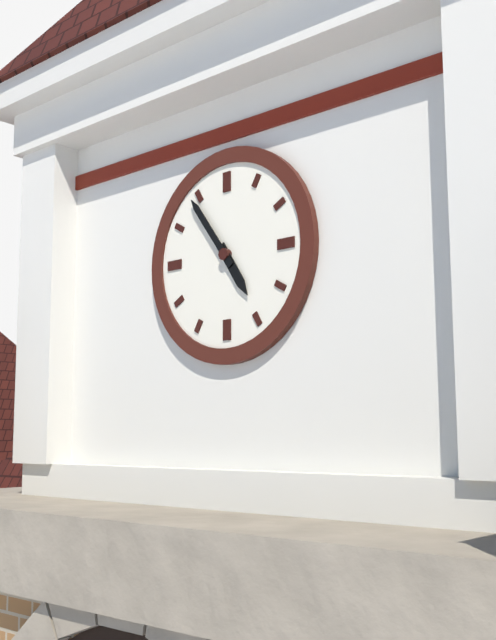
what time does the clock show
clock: 4:54
